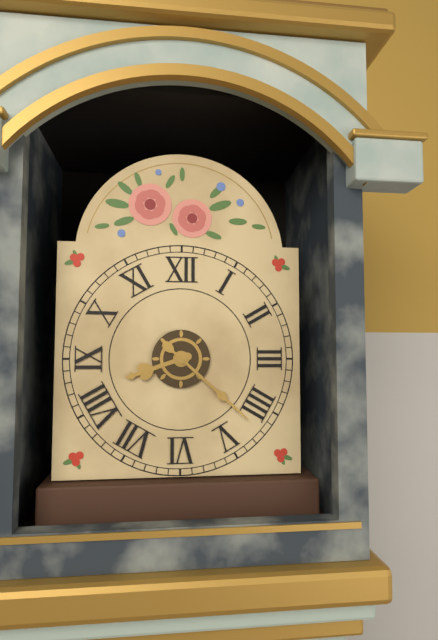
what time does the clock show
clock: 8:22
